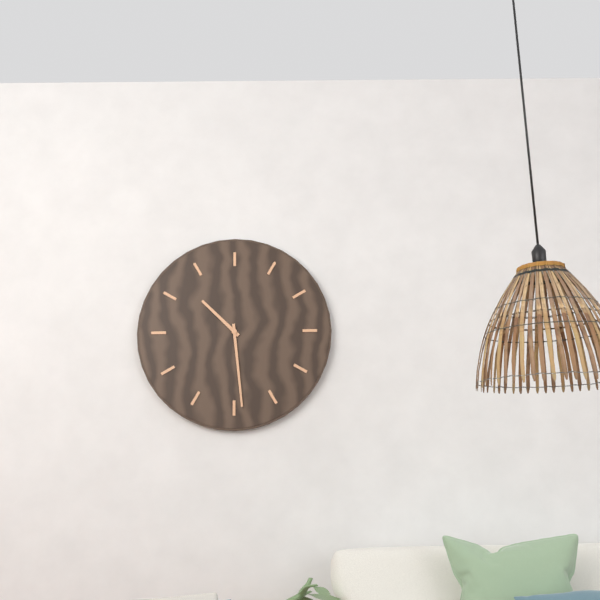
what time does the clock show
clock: 10:29
